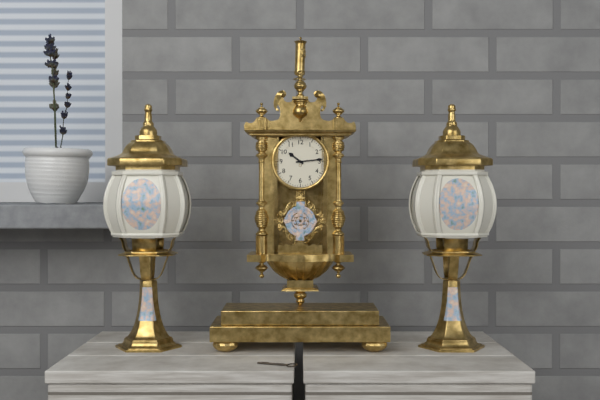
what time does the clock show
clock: 10:14
